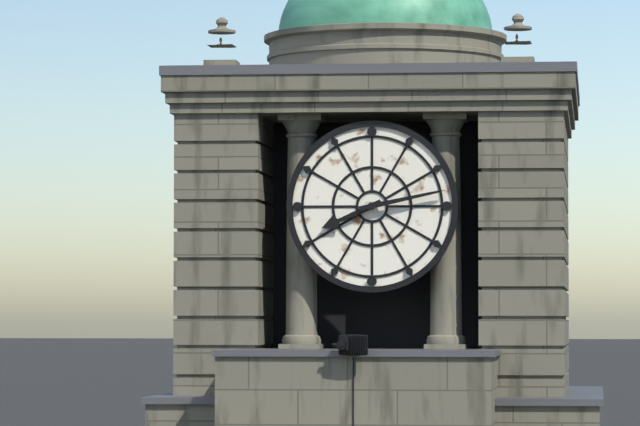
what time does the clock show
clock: 8:13
